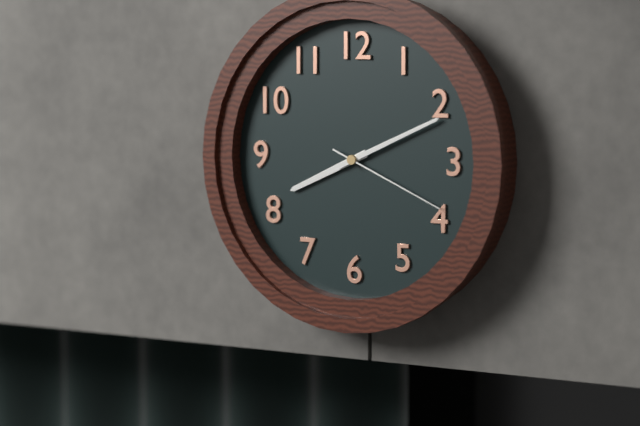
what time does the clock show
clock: 8:11:19
